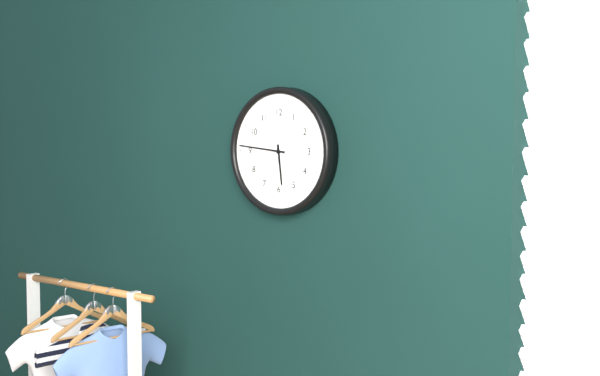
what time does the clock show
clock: 5:46
